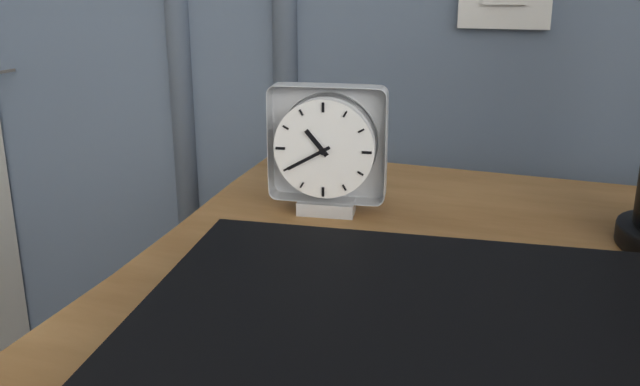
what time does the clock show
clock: 10:40
